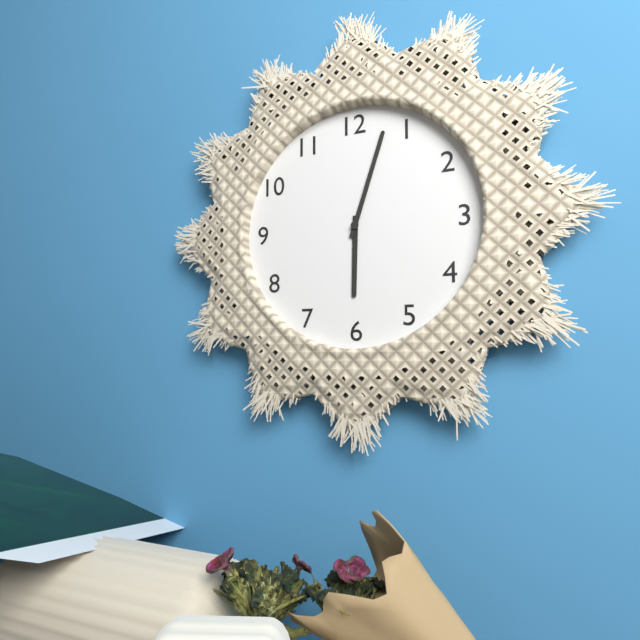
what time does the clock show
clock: 6:03
